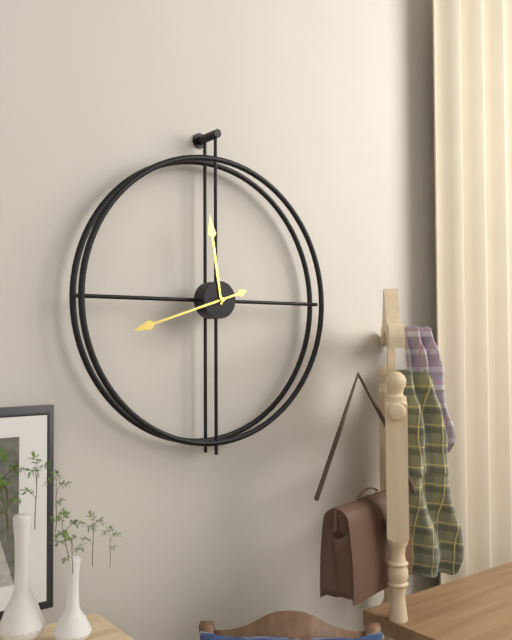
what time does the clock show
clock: 11:42
